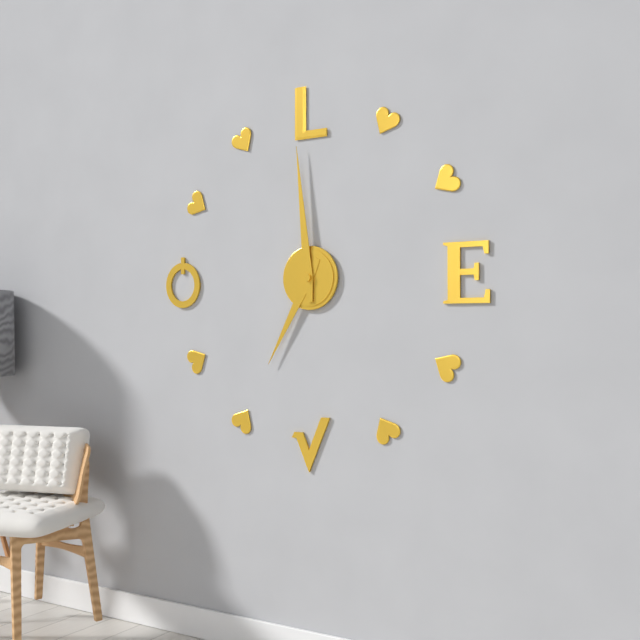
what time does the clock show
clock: 6:59
